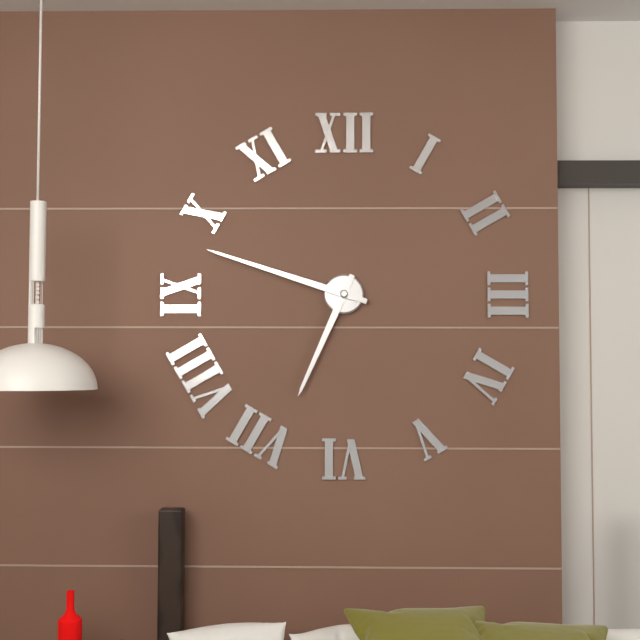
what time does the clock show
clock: 6:48
